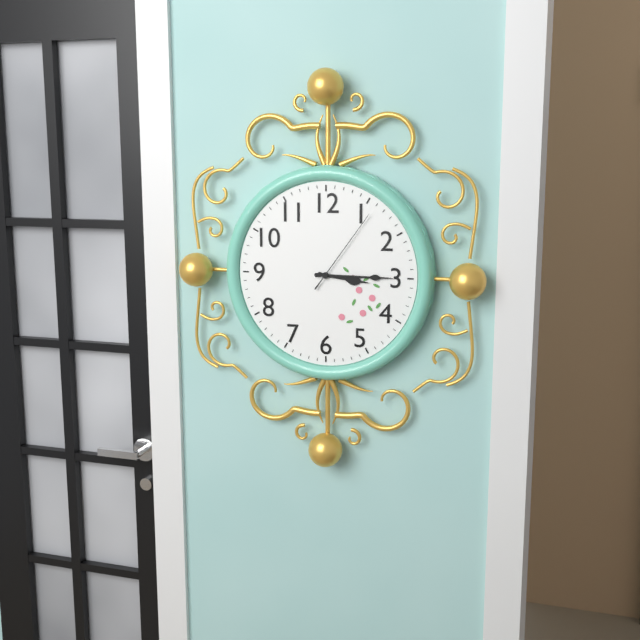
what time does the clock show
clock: 3:15:06
